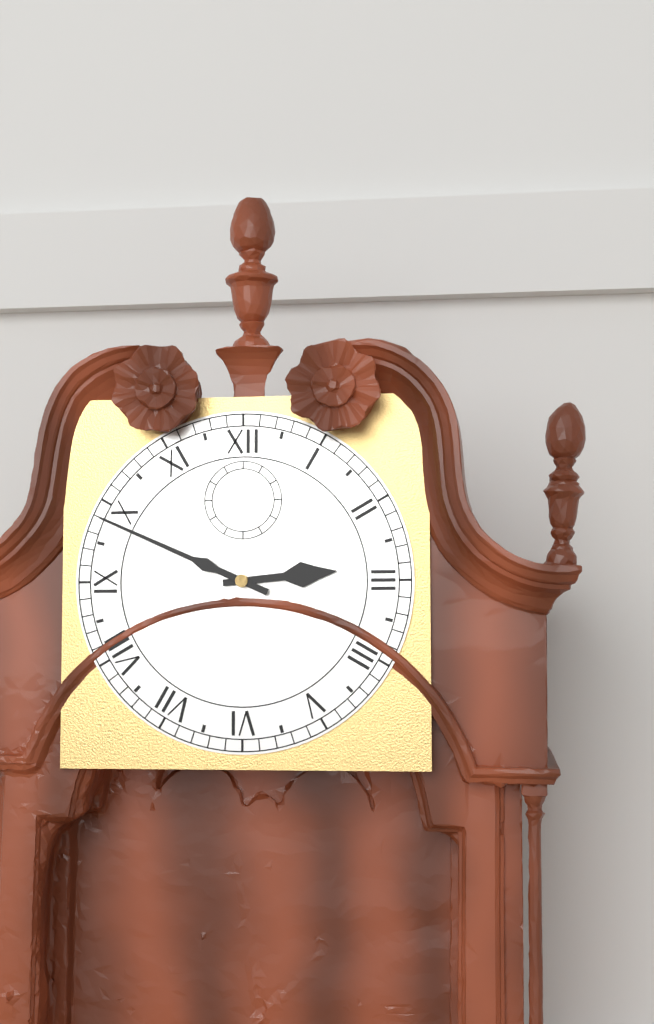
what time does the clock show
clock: 2:49
